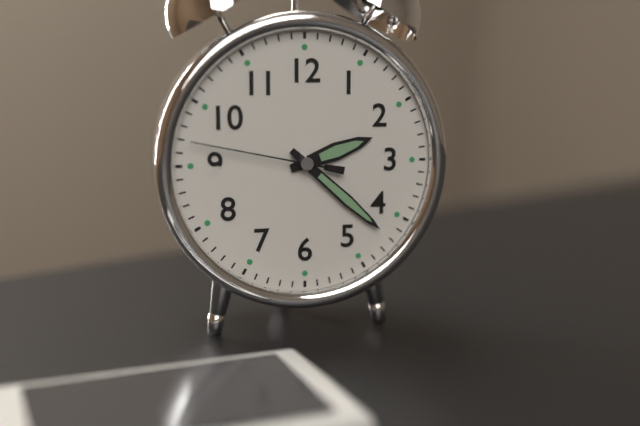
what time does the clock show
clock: 2:22:47
